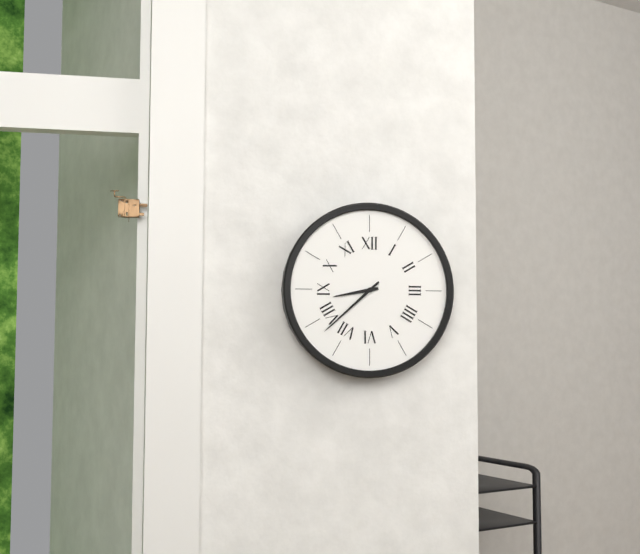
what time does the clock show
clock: 8:38
